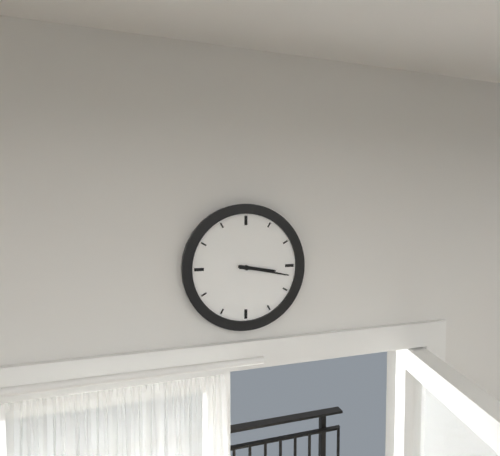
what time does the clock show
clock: 3:17
